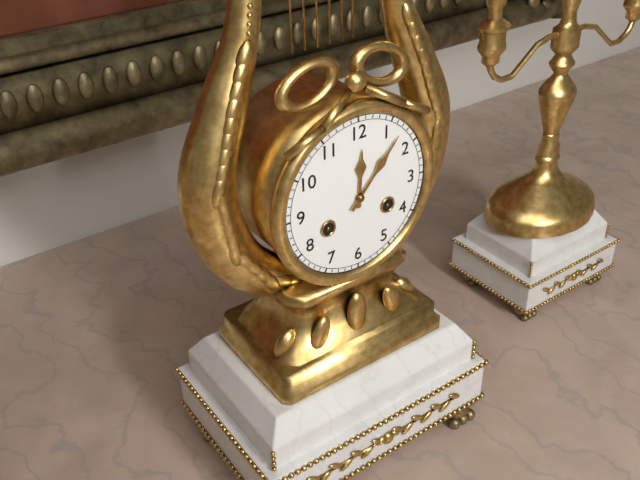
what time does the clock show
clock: 12:07
